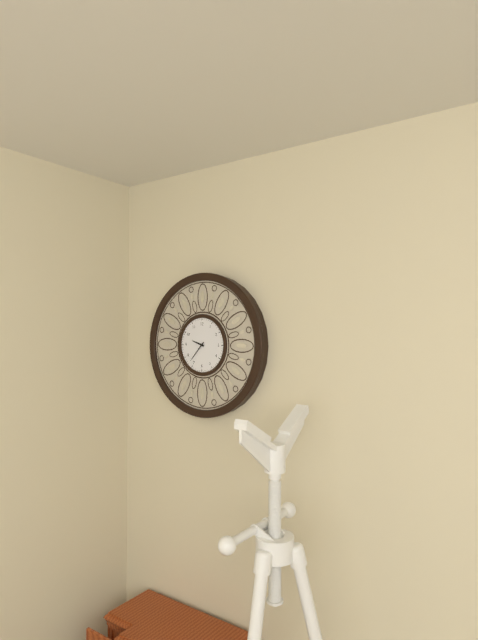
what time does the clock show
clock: 9:37
